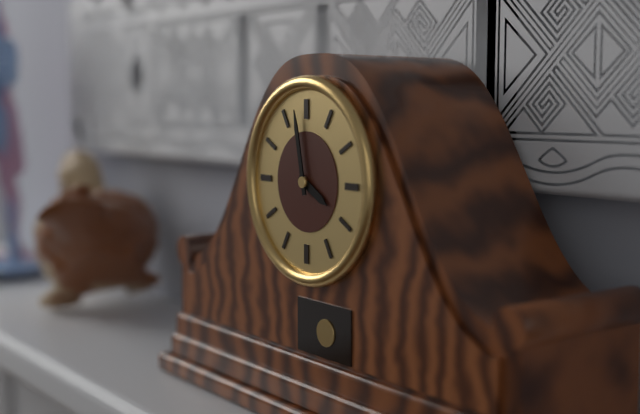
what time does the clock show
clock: 3:58
